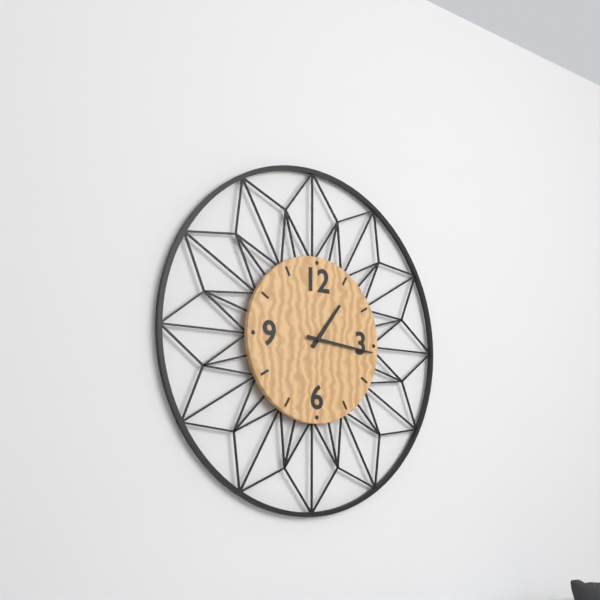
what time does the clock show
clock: 1:16
